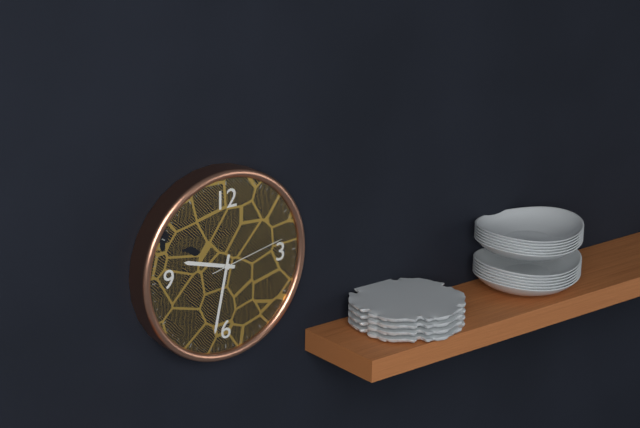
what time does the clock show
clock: 9:32:13
